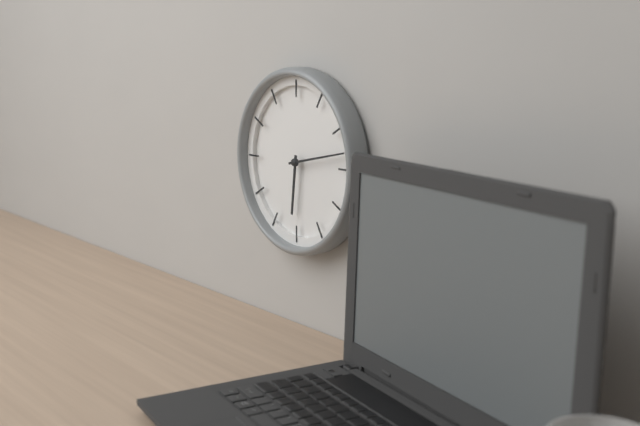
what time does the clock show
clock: 6:13
